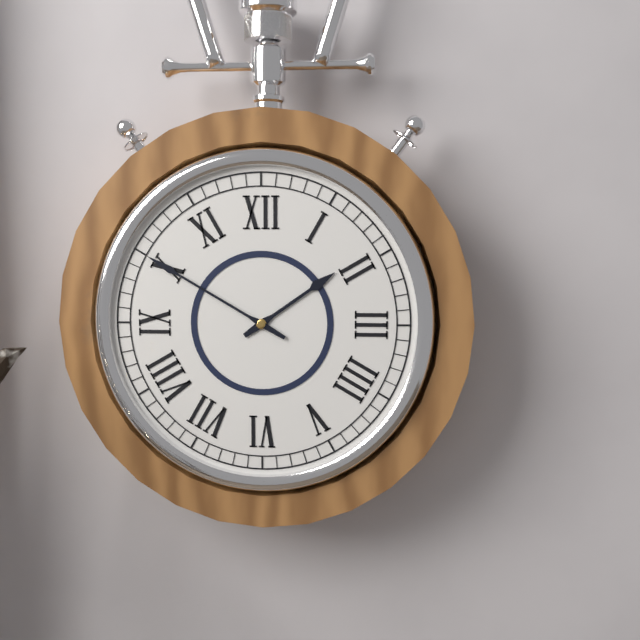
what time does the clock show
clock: 1:50
